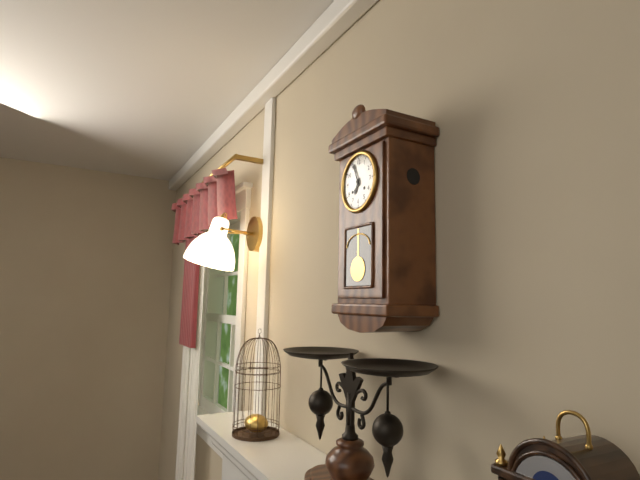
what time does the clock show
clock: 6:56
